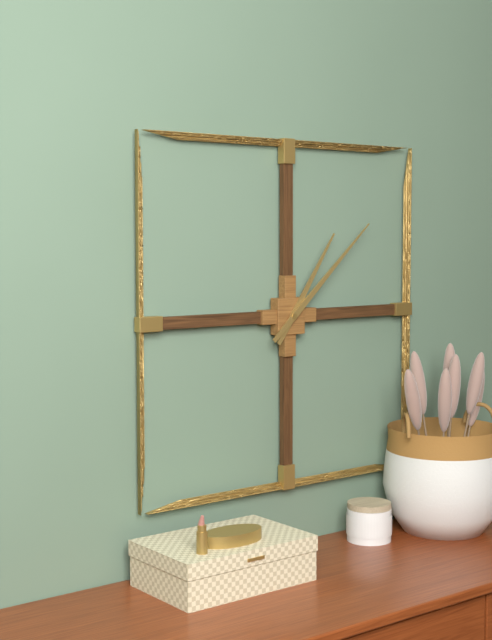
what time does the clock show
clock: 1:08
